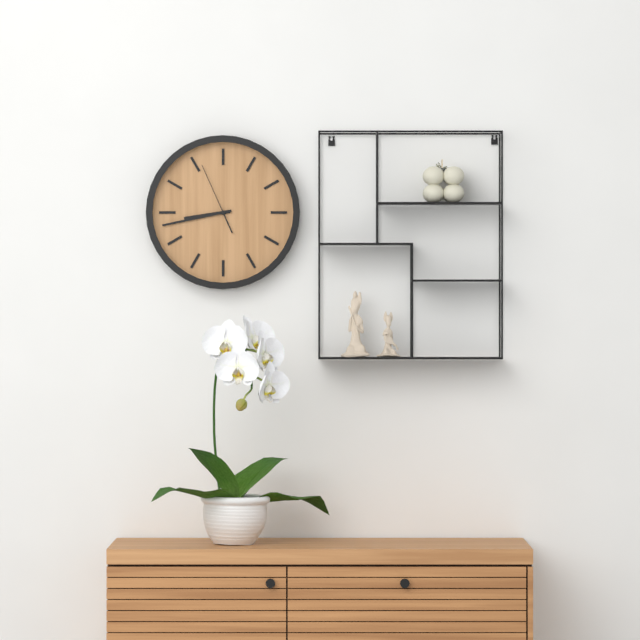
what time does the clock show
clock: 8:43:56
